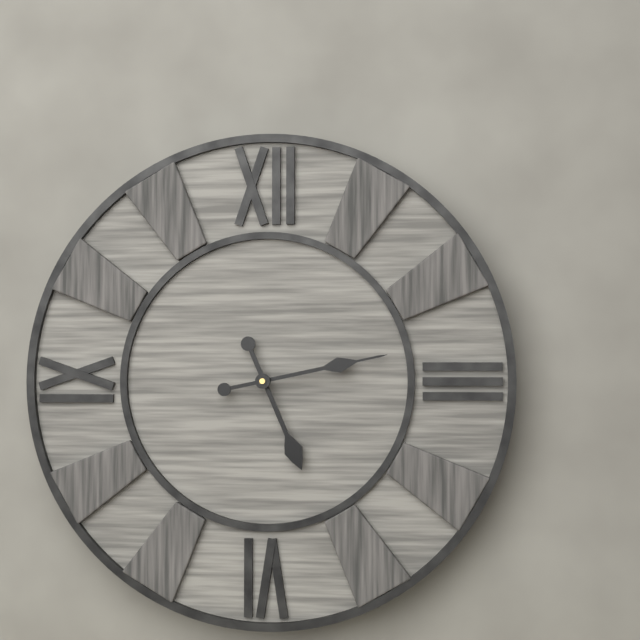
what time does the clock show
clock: 5:13
